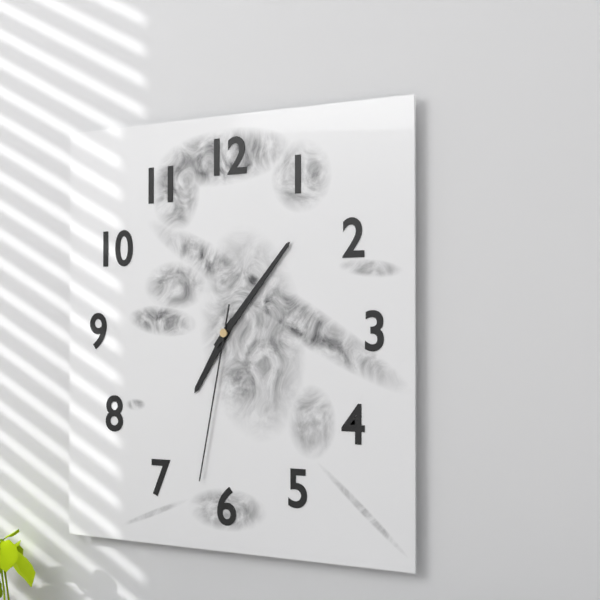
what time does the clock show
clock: 7:07:32
